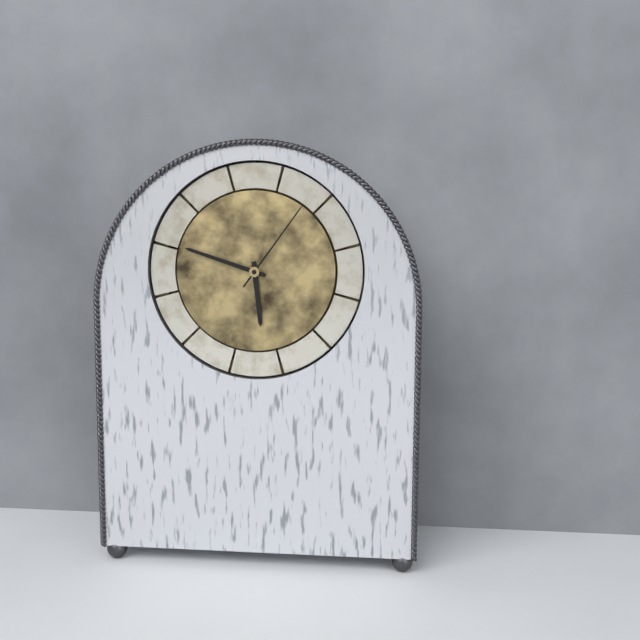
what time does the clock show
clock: 5:48:06
